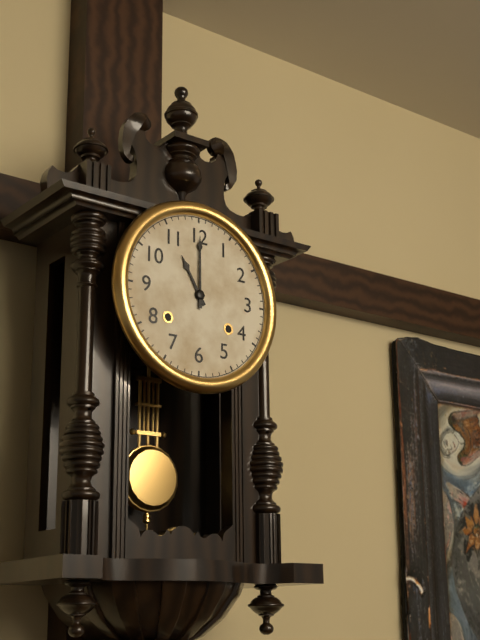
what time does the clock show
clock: 11:00
